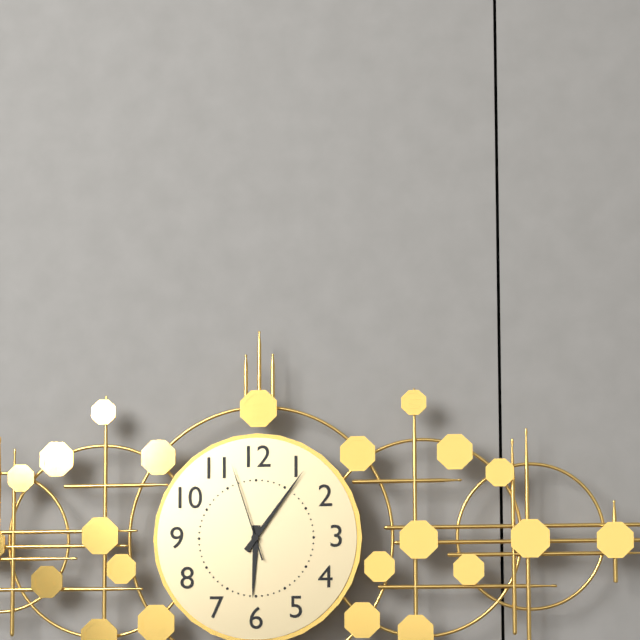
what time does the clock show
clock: 6:06:57
